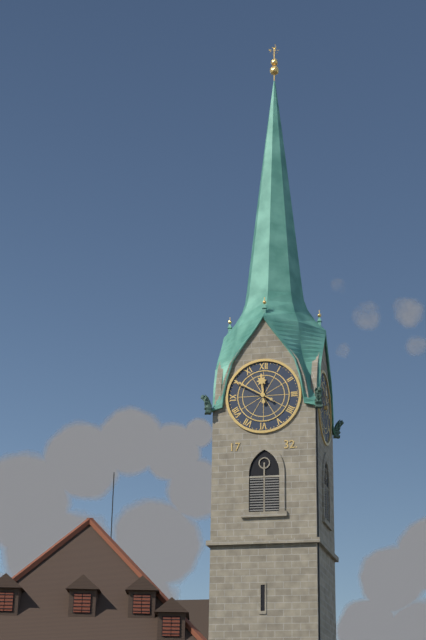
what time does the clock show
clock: 11:50
